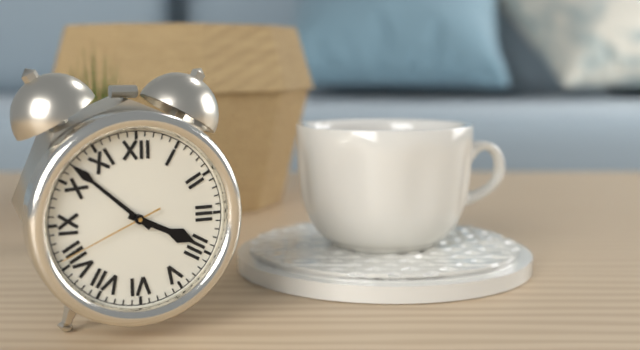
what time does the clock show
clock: 3:52:41
